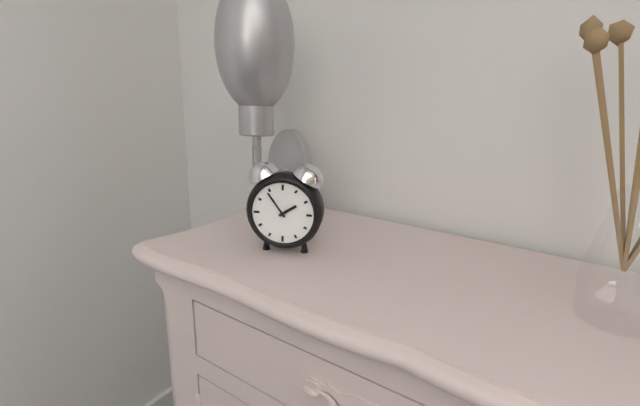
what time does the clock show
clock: 1:54
